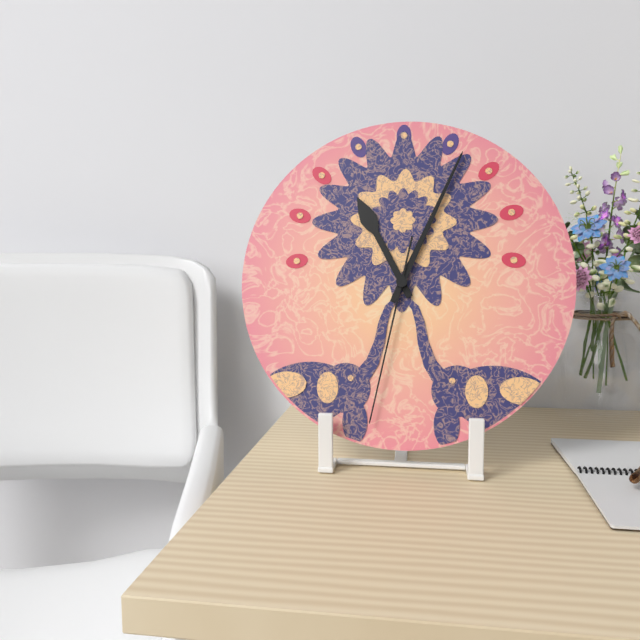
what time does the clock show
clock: 11:04:32
